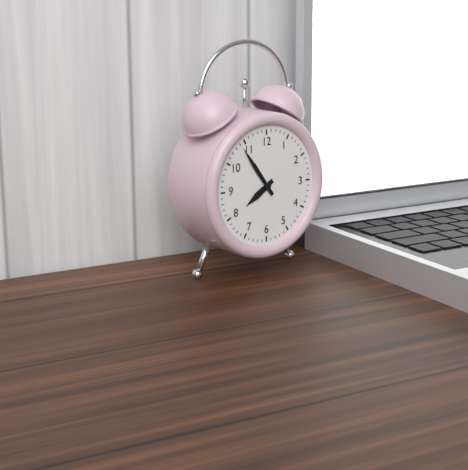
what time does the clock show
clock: 7:54
